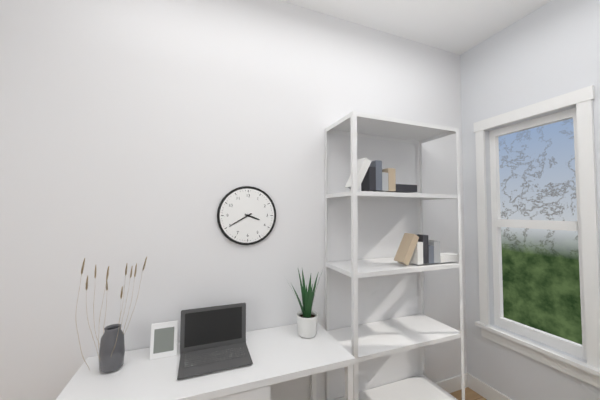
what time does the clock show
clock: 3:40
